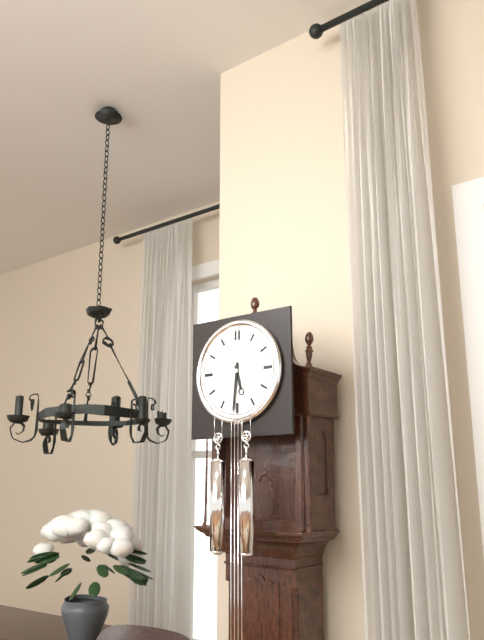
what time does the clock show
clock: 5:31
